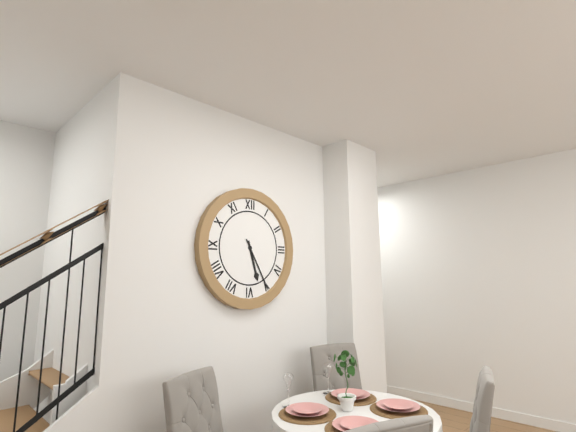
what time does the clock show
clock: 5:25
